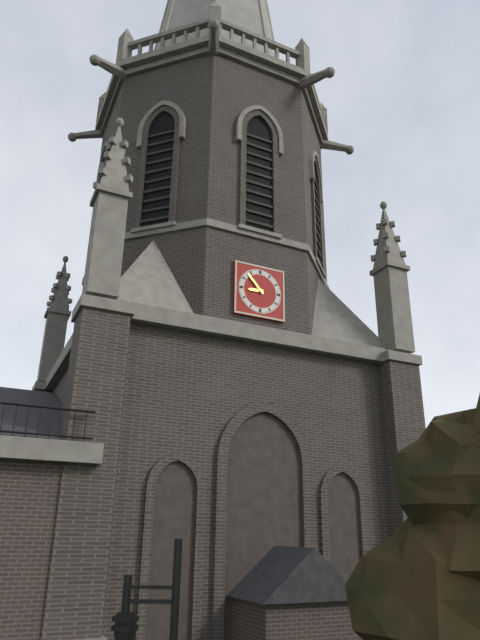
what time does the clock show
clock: 8:53
